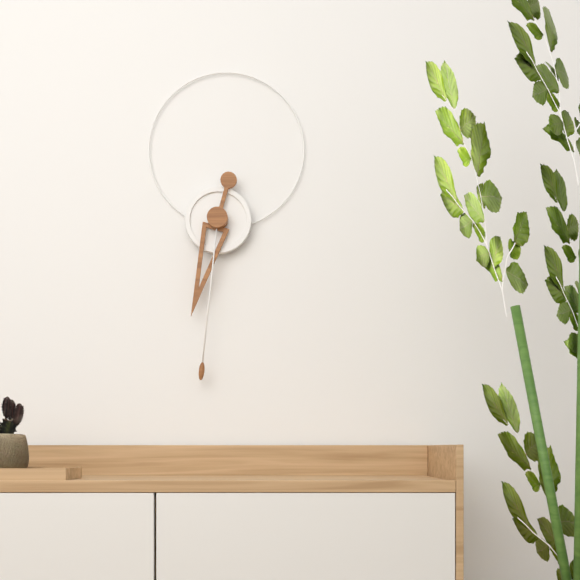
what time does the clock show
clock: 6:31
